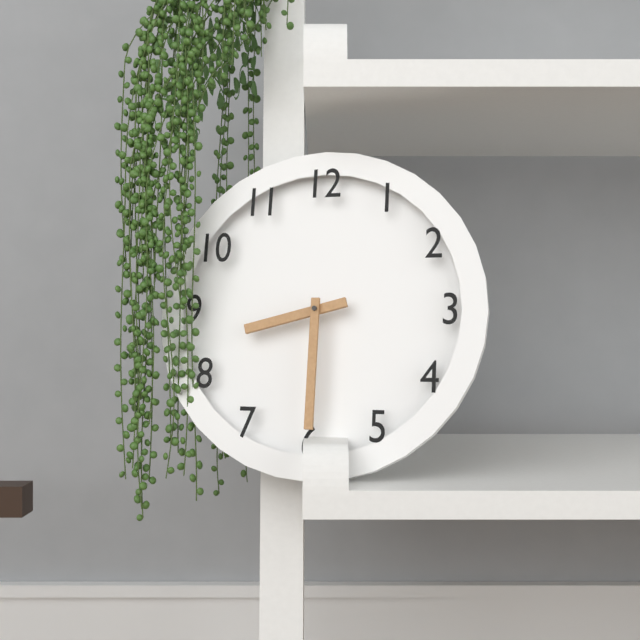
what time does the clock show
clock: 8:30
